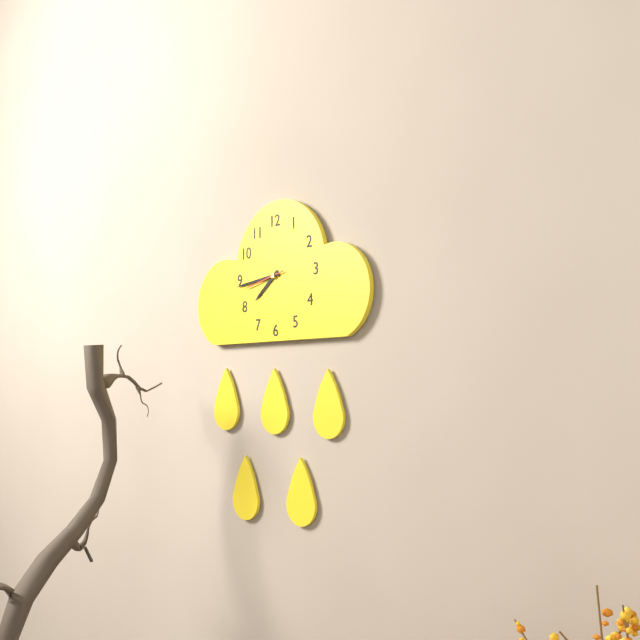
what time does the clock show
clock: 7:44
